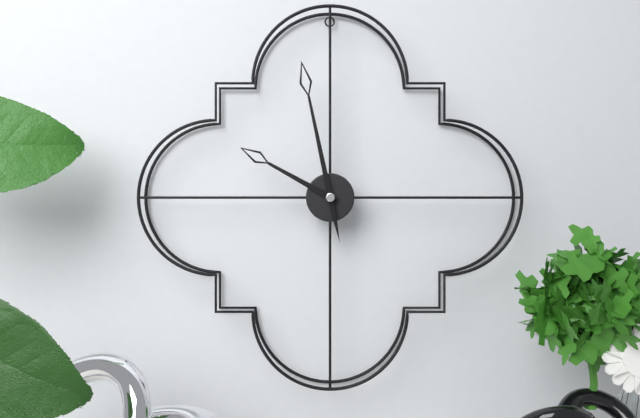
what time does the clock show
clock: 9:58
